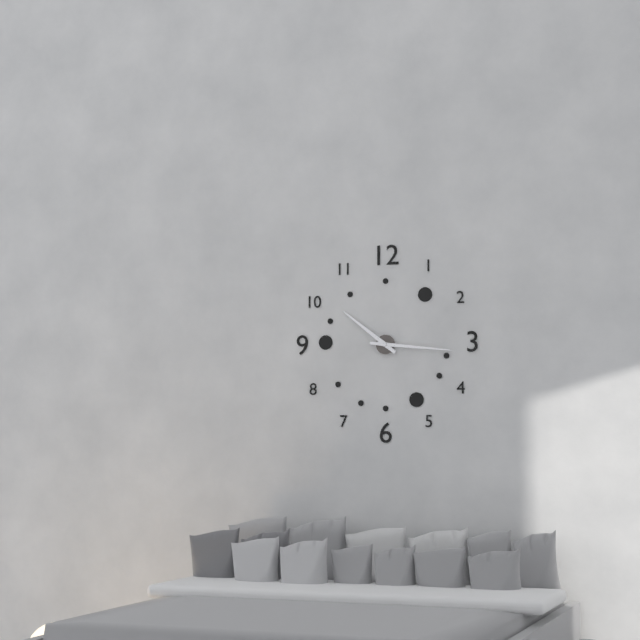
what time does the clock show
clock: 10:16
